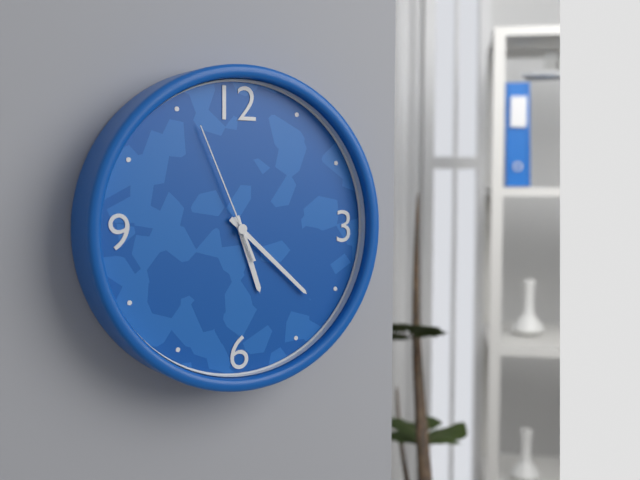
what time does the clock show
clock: 5:22:56
